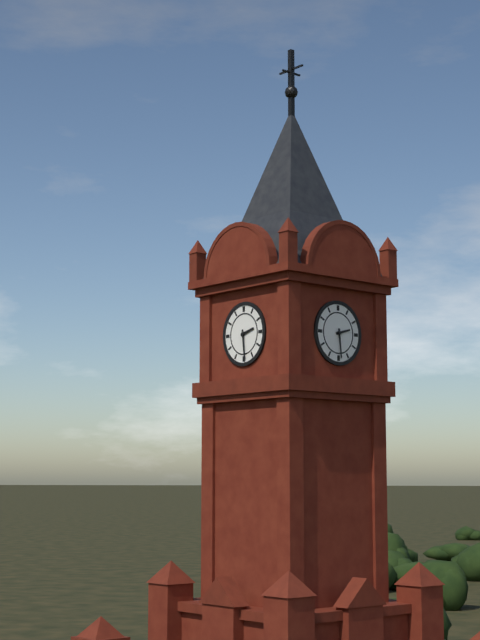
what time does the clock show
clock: 2:29
